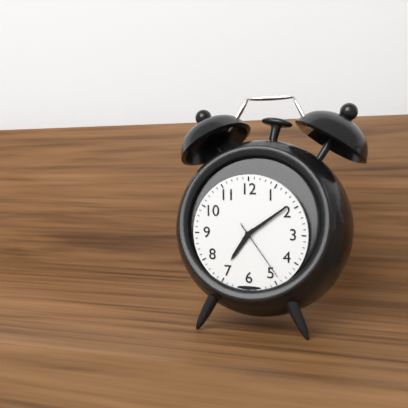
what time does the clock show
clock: 7:09:24
